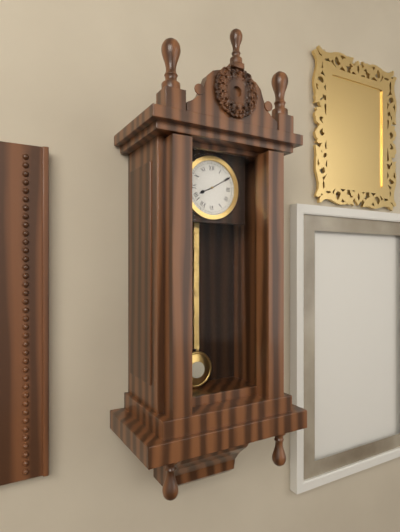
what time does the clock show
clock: 8:10
